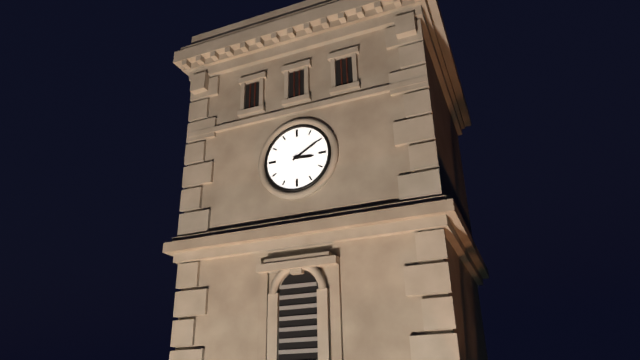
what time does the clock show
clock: 3:10
